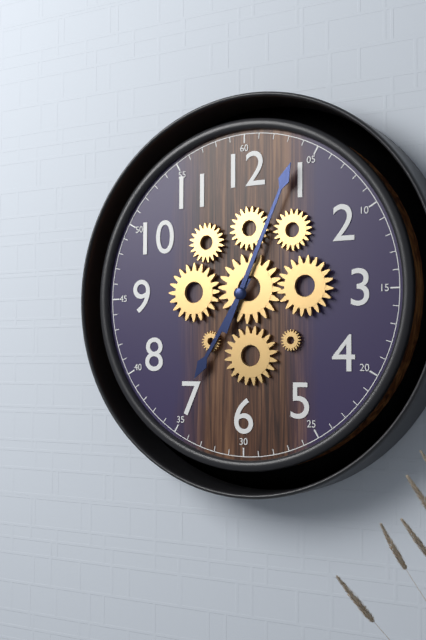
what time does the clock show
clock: 7:04
